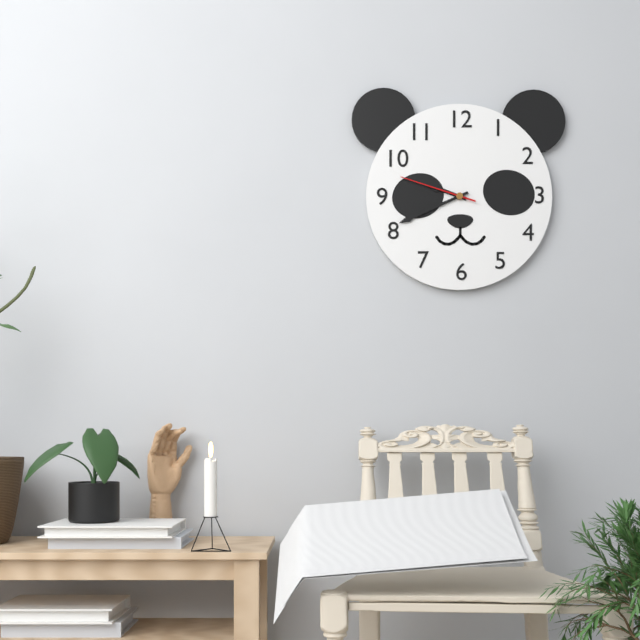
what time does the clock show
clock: 9:41:48
